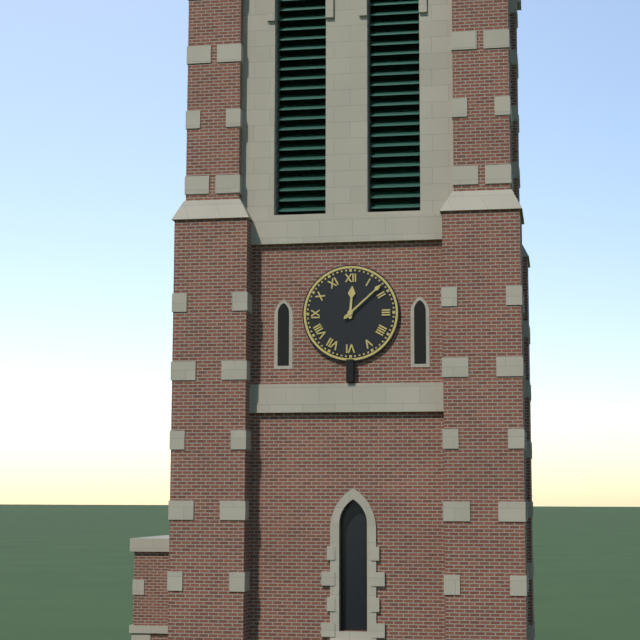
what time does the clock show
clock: 12:08
